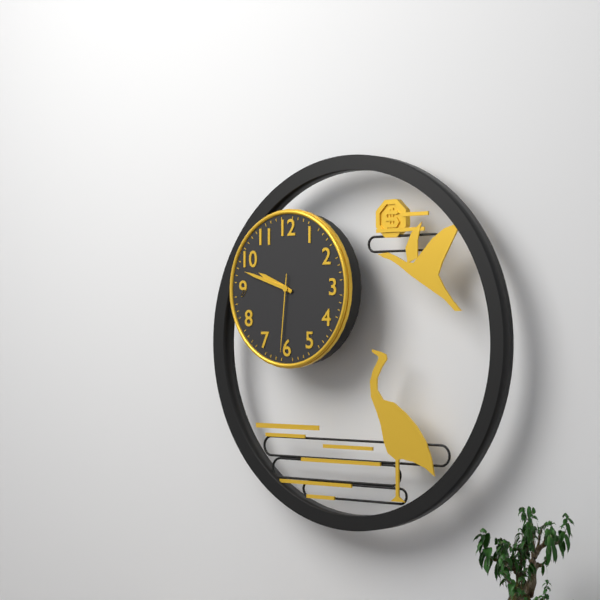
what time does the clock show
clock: 9:48:31
